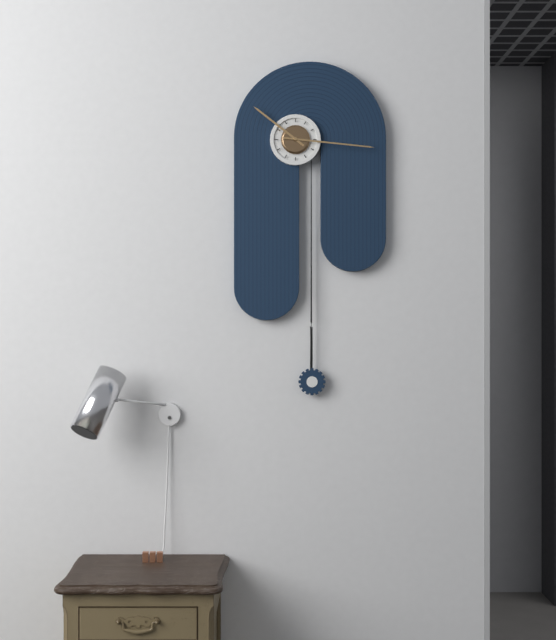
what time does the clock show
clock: 10:16
